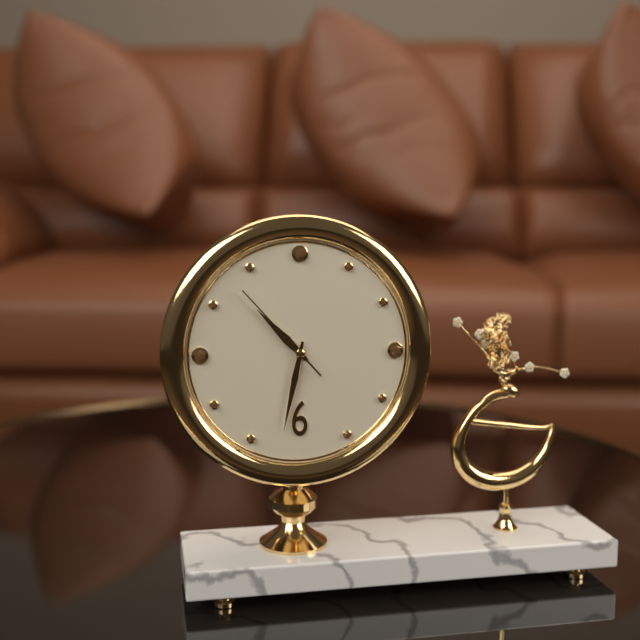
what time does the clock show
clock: 10:32:53
